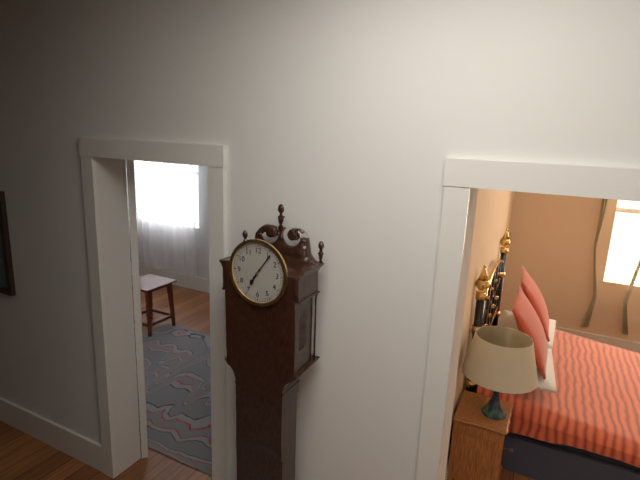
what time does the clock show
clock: 7:06
